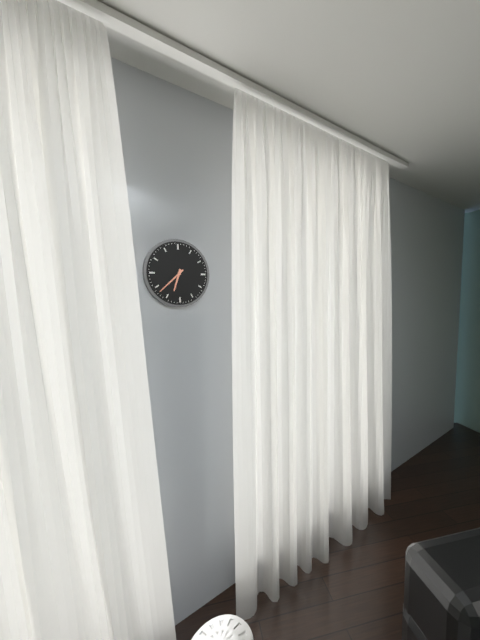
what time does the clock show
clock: 6:38
